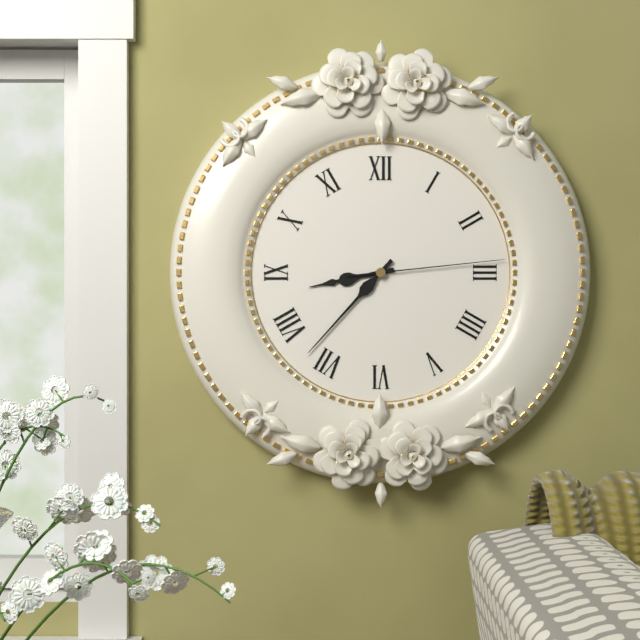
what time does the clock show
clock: 8:37:14
